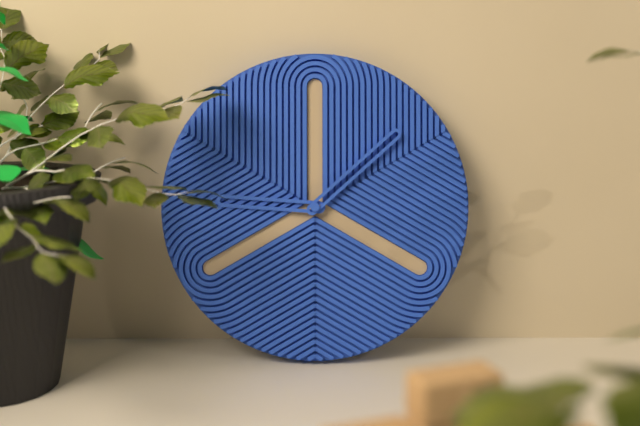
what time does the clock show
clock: 9:08
